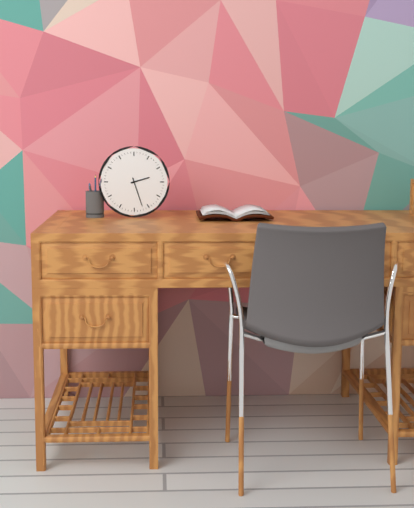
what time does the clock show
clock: 2:27
